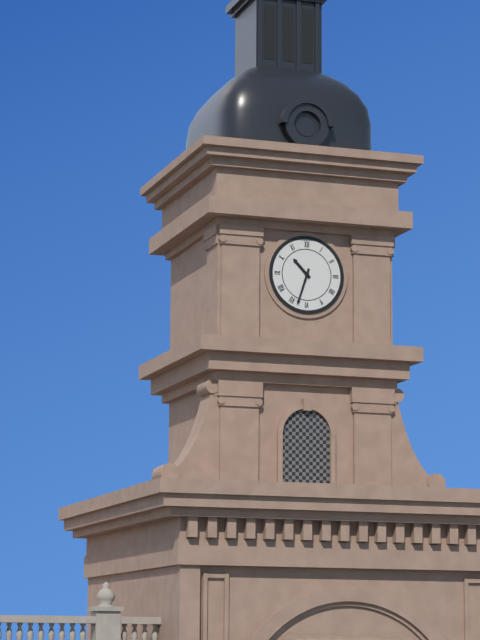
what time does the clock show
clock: 10:33
